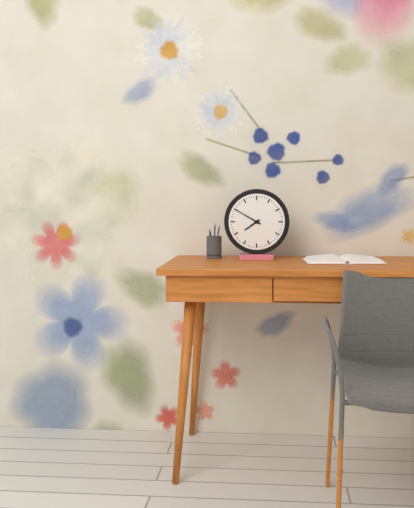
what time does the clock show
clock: 7:50
